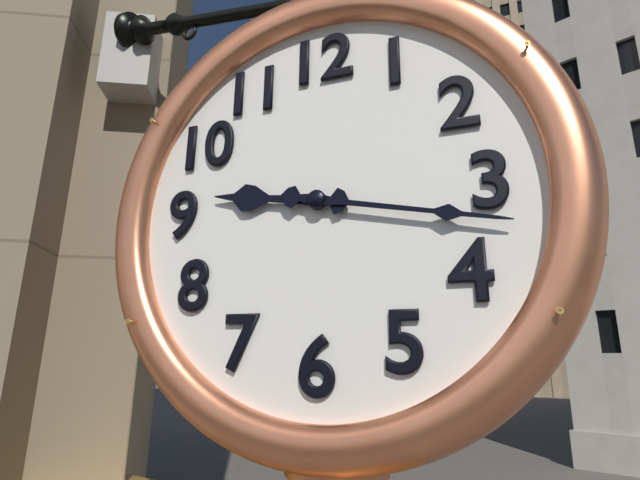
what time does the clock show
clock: 9:17
